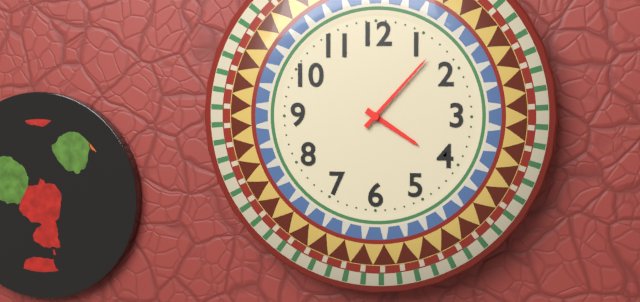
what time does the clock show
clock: 4:07
